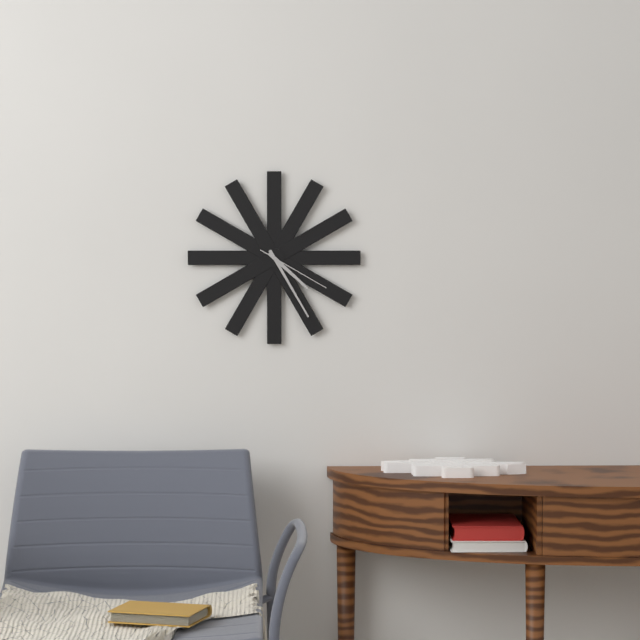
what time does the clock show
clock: 4:25:20
